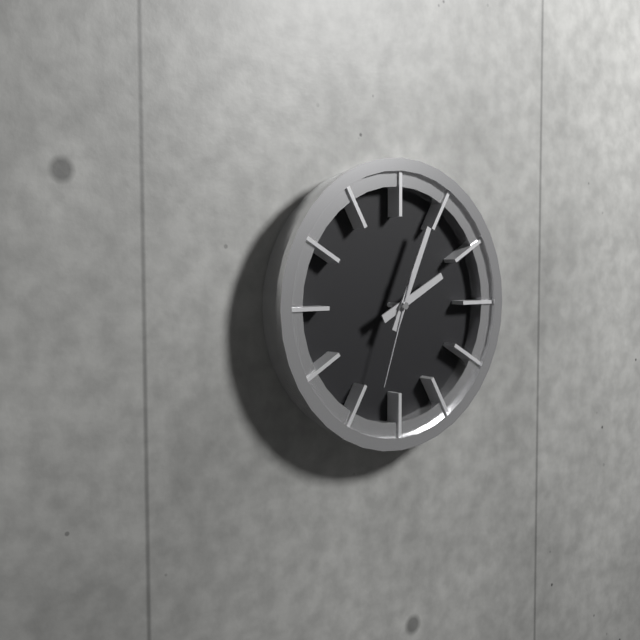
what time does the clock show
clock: 2:04:33
